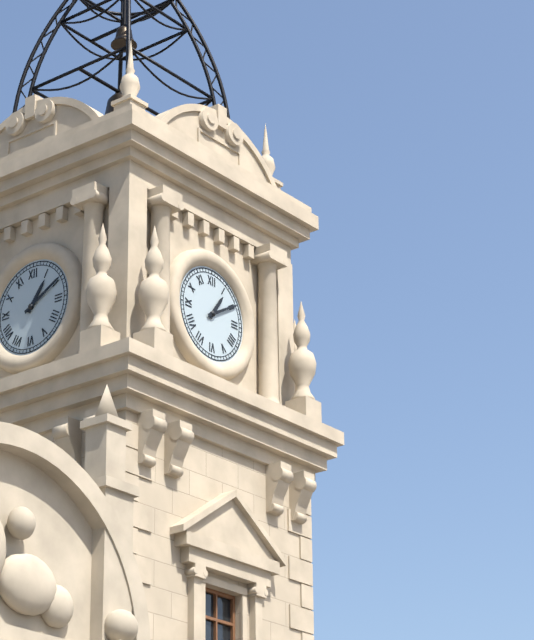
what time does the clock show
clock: 1:10
